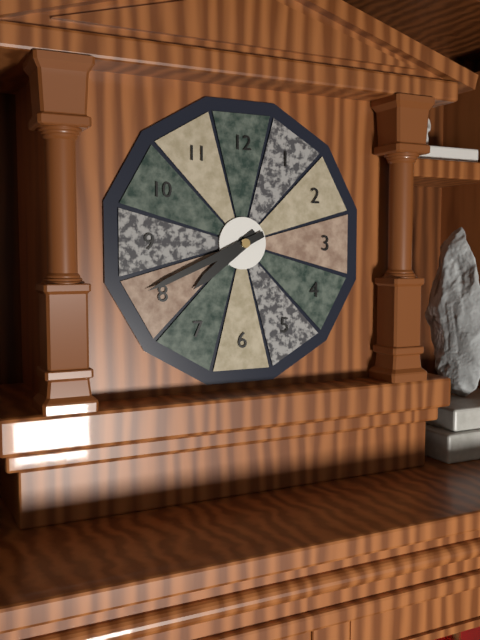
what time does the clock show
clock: 7:41
